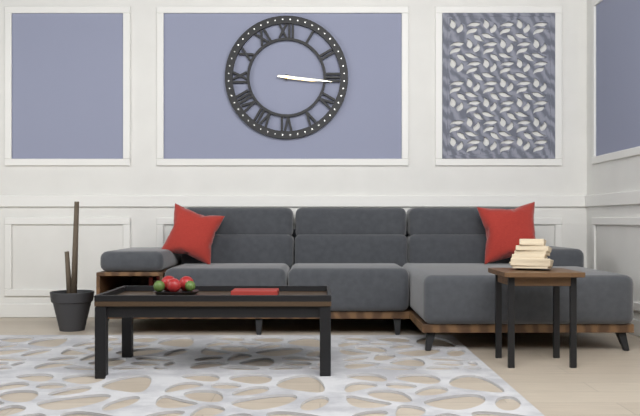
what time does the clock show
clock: 3:16
